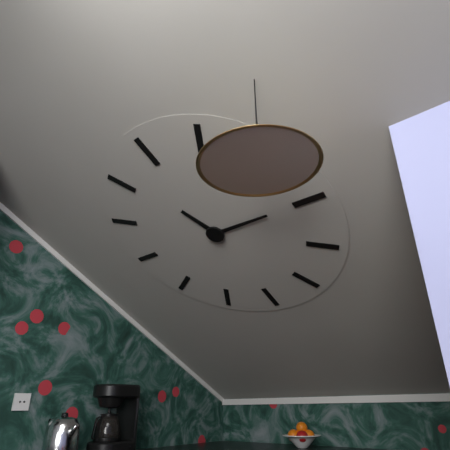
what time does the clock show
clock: 11:15
